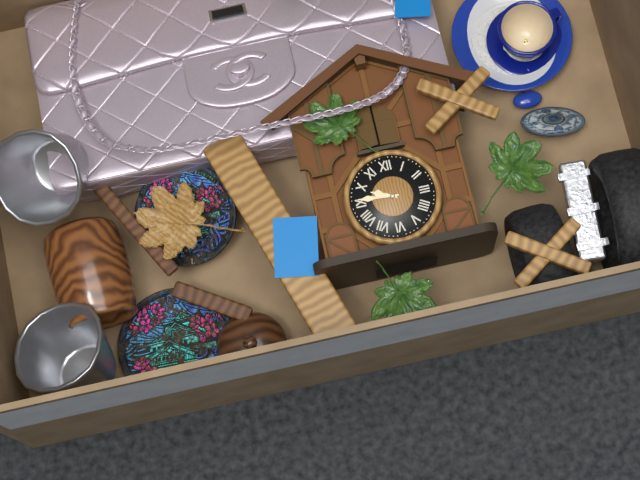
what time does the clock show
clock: 9:46
